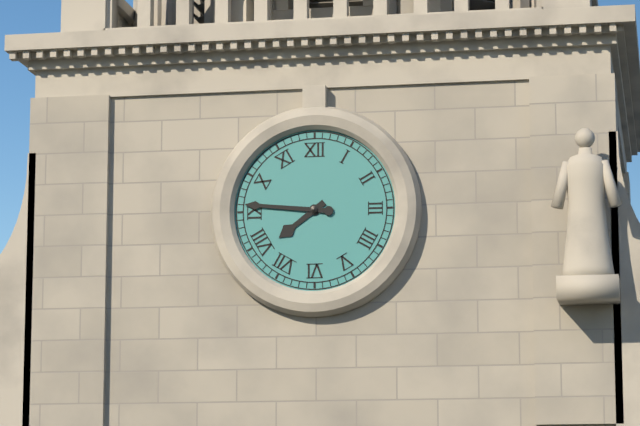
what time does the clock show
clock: 7:46
